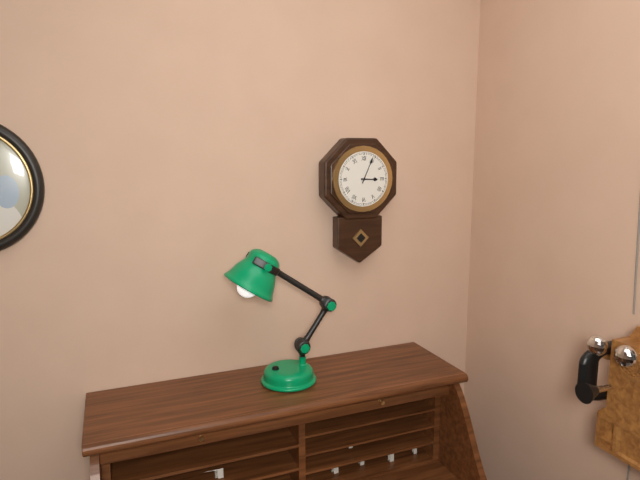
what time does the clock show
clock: 3:04
